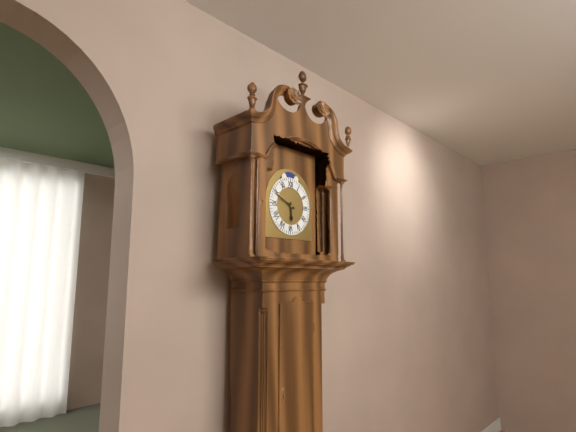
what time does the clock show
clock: 5:49
